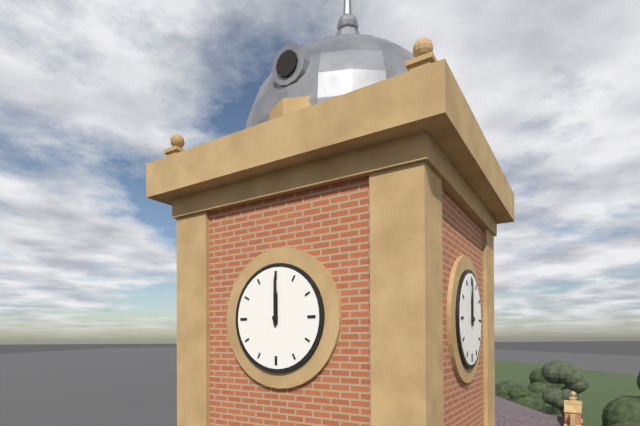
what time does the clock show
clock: 12:00
